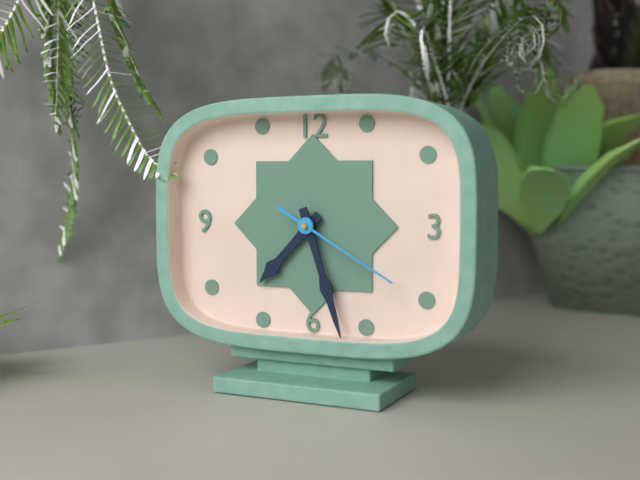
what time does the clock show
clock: 7:27:20
